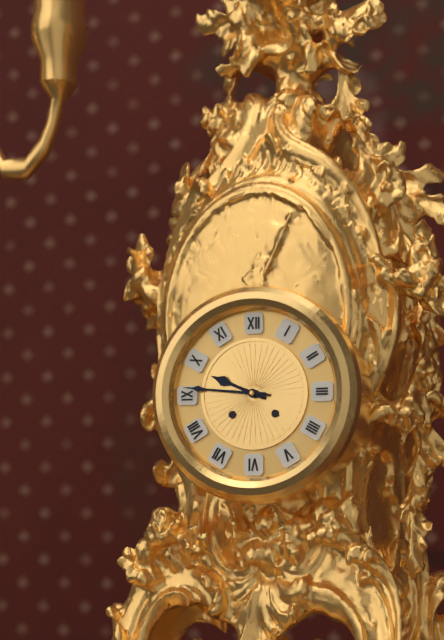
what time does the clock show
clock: 9:46
